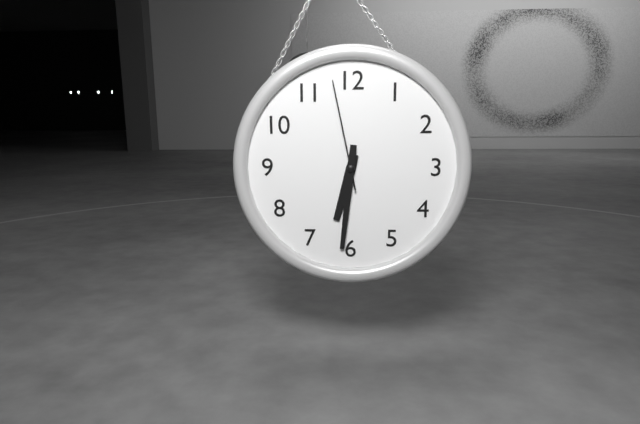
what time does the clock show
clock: 6:31:58
